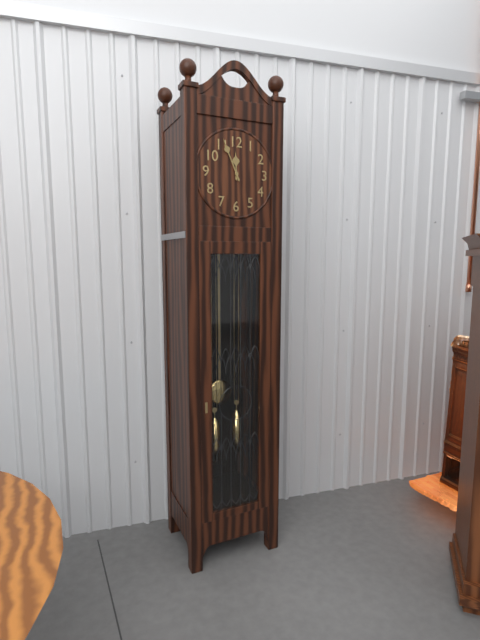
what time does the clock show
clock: 11:56
